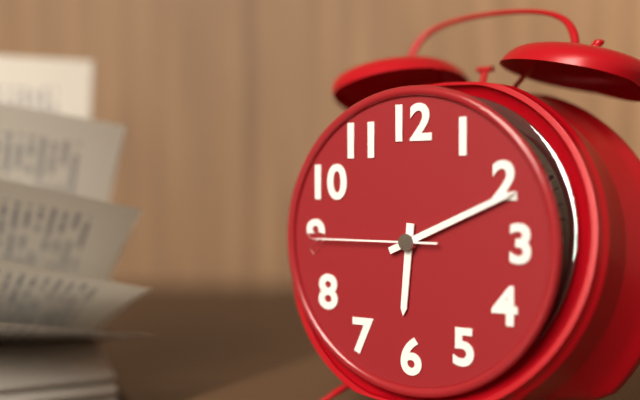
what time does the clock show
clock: 6:11:45
